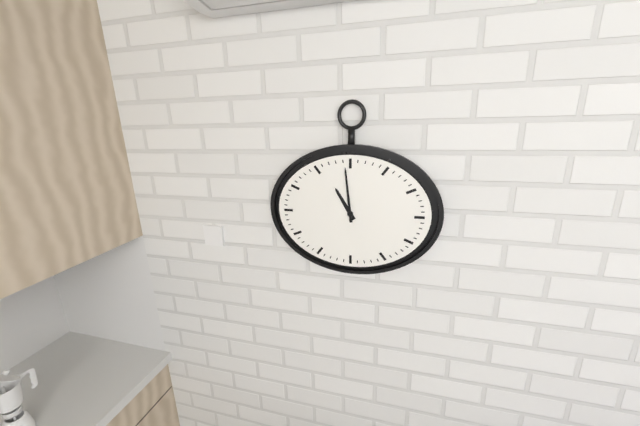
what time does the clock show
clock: 10:59
